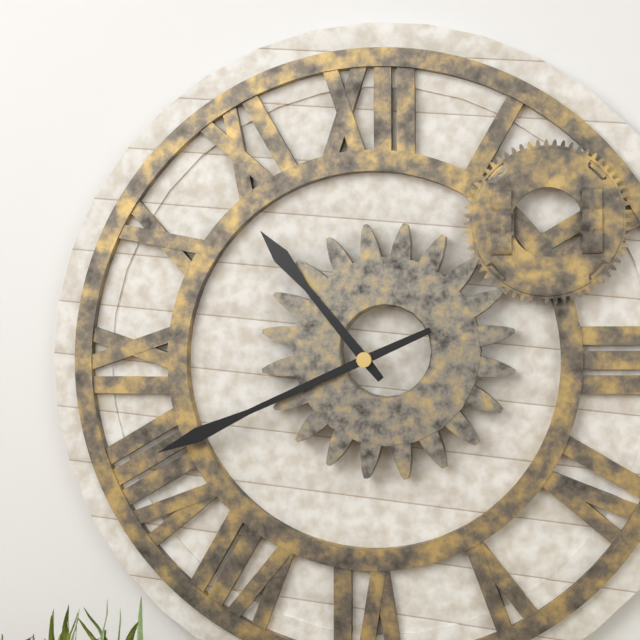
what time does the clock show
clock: 10:41
